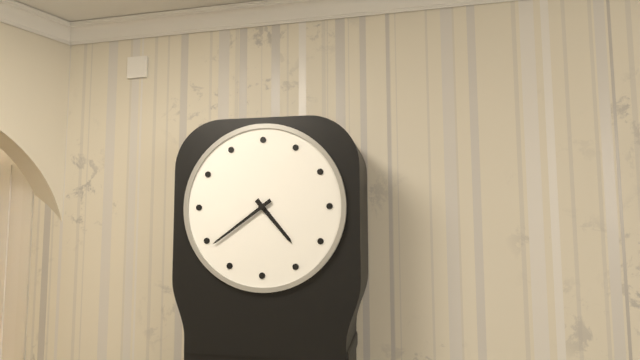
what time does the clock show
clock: 4:39
